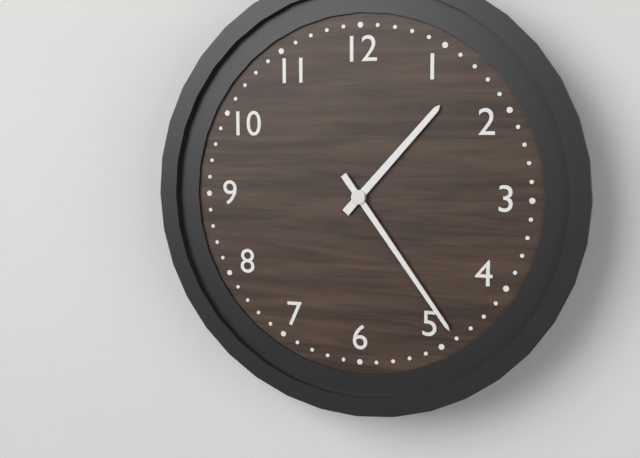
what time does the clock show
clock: 1:24
